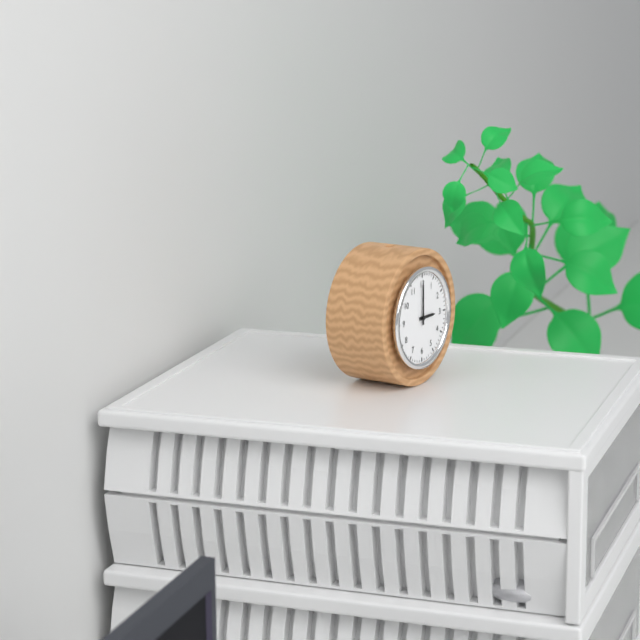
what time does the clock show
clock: 3:00
